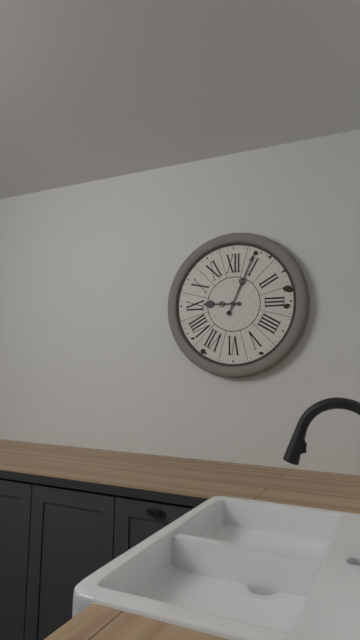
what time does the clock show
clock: 9:04
